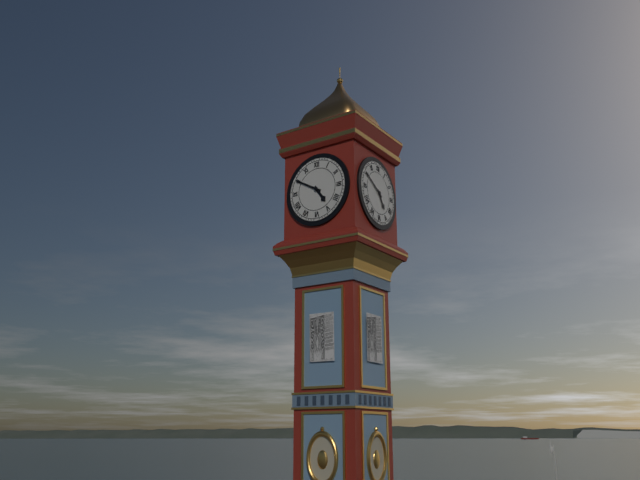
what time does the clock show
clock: 4:50
